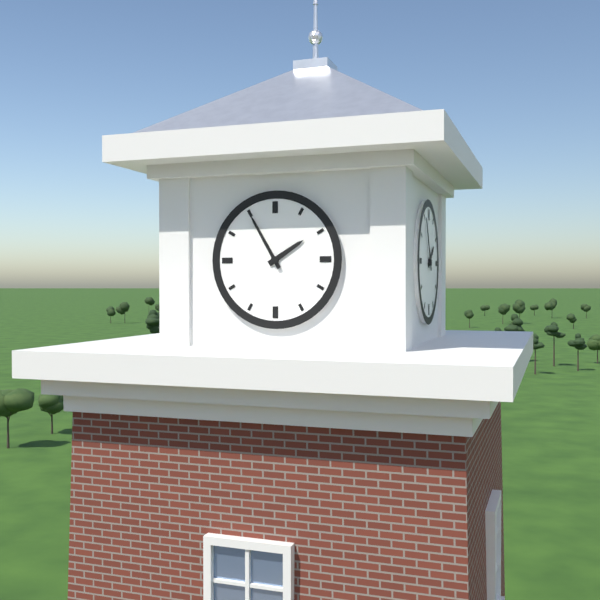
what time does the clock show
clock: 1:55
